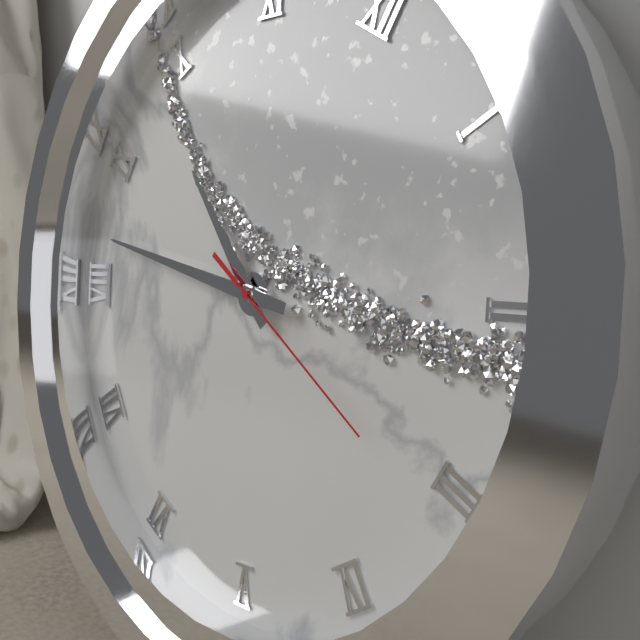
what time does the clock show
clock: 9:42:16
